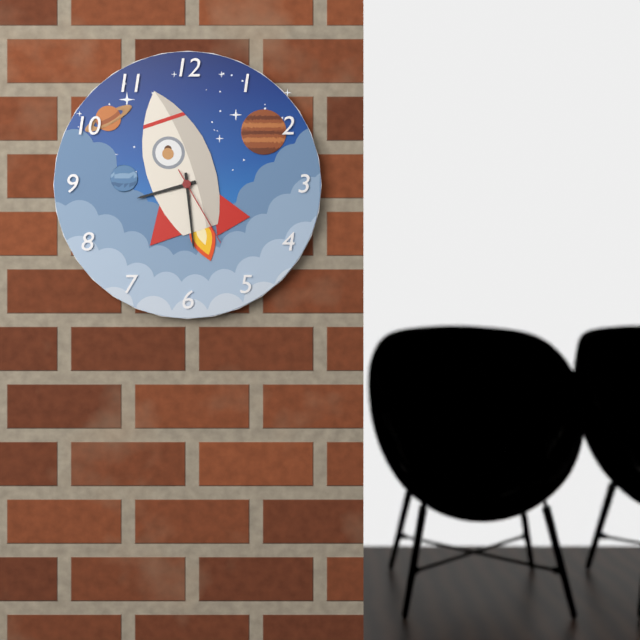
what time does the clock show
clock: 8:29:25
